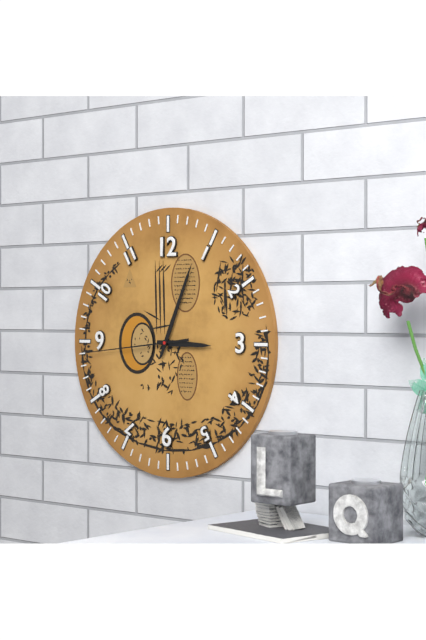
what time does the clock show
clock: 3:04:44
